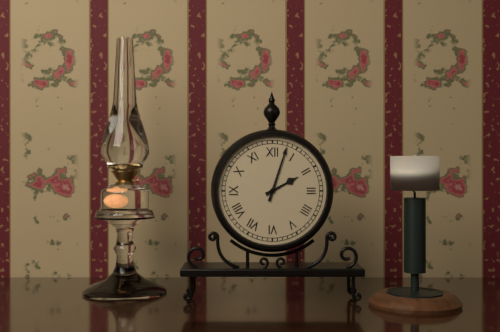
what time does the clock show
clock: 2:03
